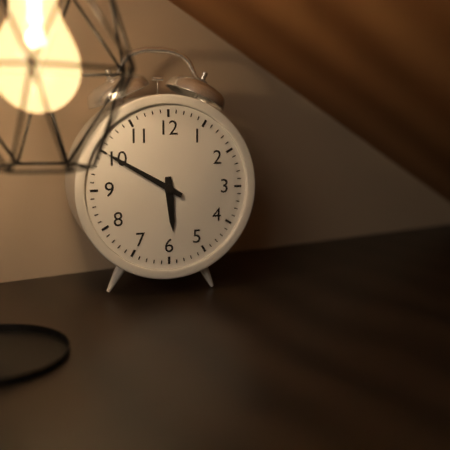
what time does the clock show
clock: 5:50
